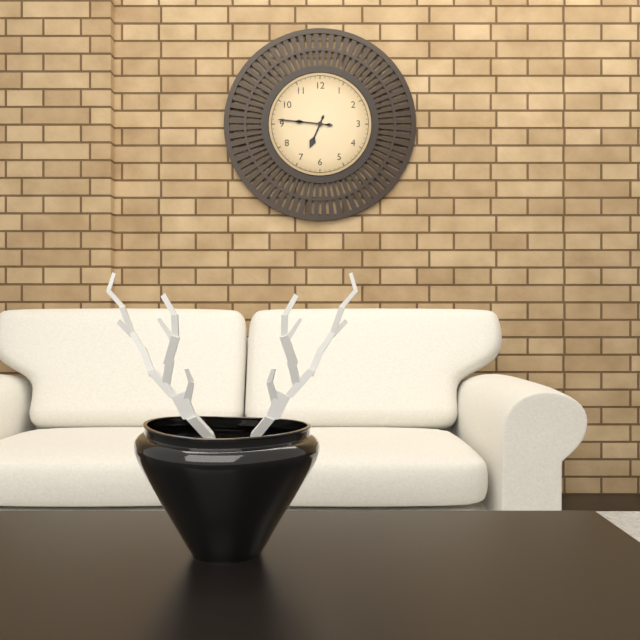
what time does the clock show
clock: 6:46
